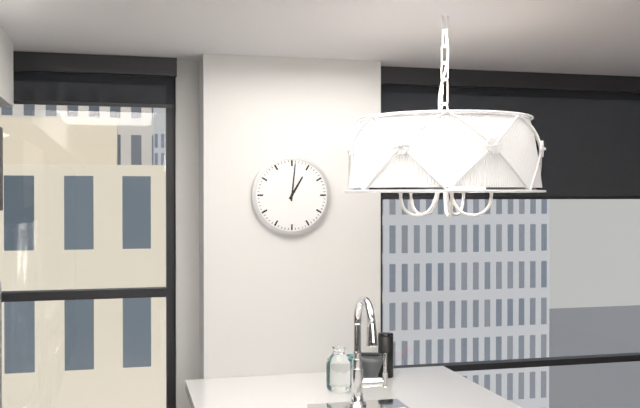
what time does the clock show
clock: 1:01
